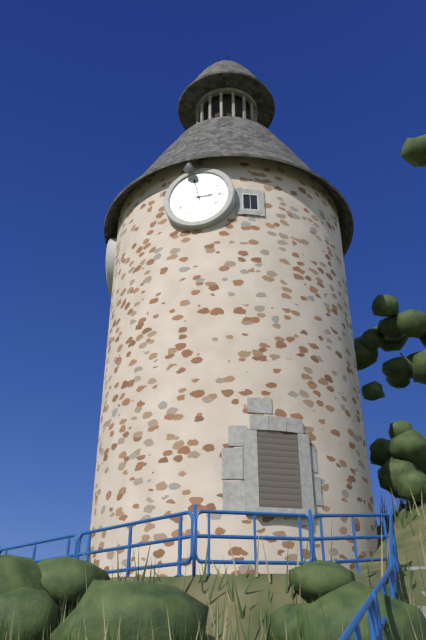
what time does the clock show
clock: 2:58
